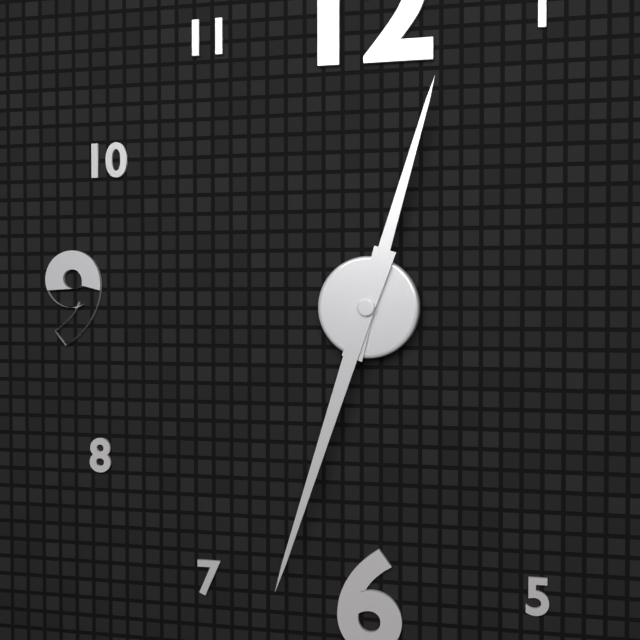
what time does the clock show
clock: 12:33
